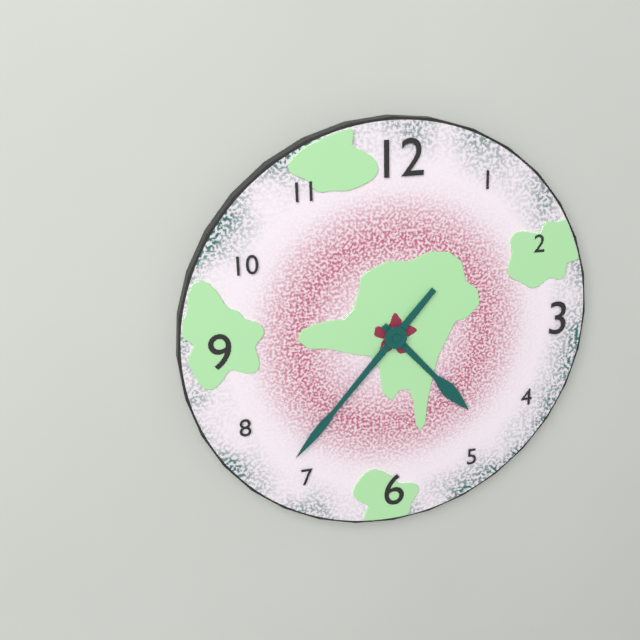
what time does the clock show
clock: 4:37
